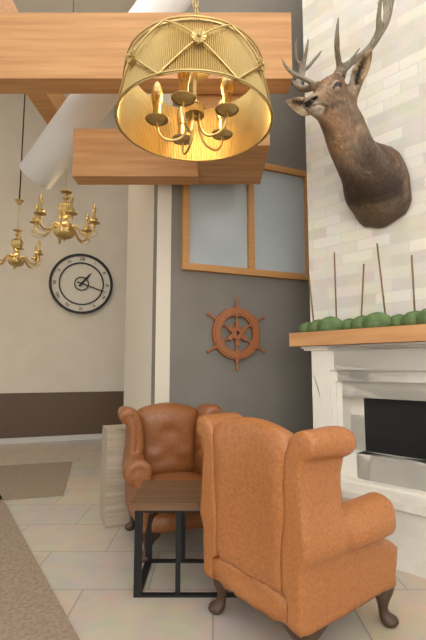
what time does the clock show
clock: 1:18
